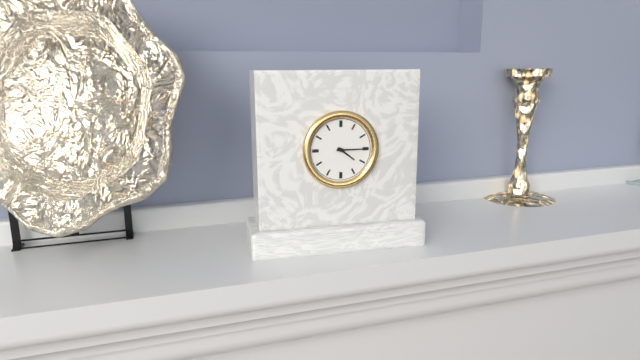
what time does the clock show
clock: 4:15
